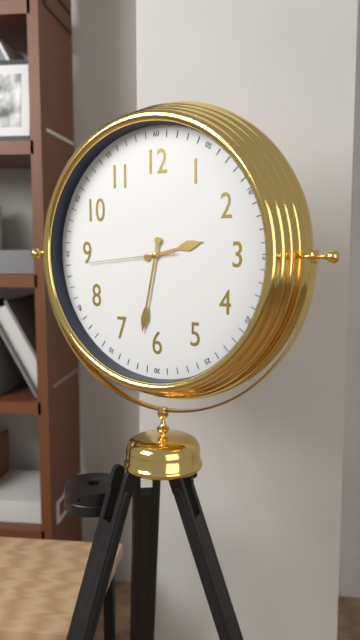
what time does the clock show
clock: 2:32:44
